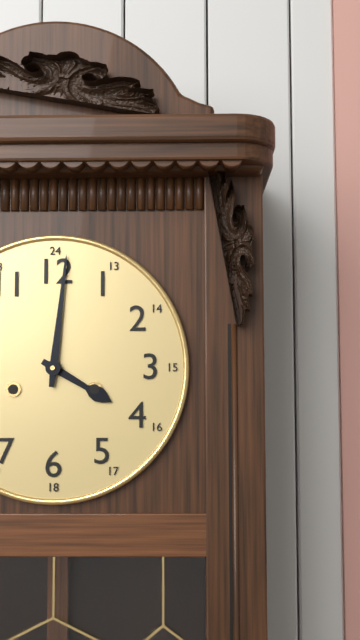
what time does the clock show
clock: 4:01
